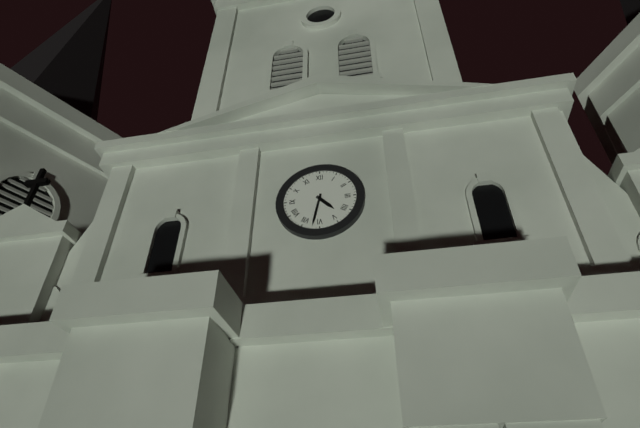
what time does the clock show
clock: 4:32
